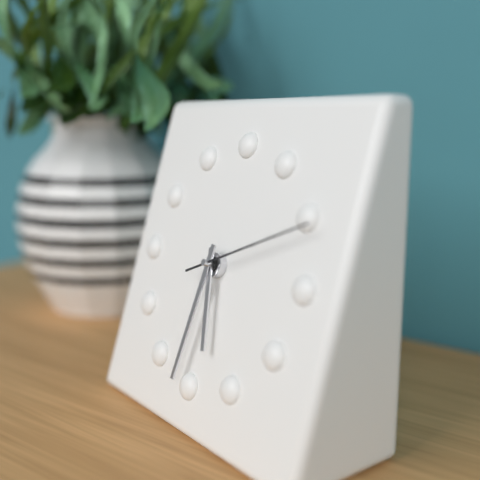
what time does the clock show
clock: 5:31:11
